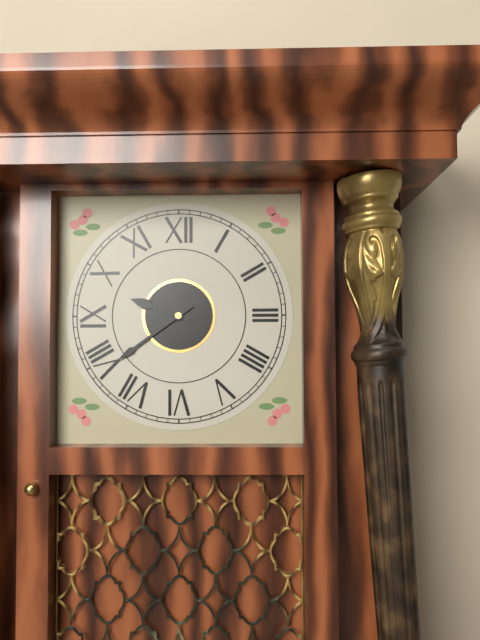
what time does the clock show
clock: 9:39
